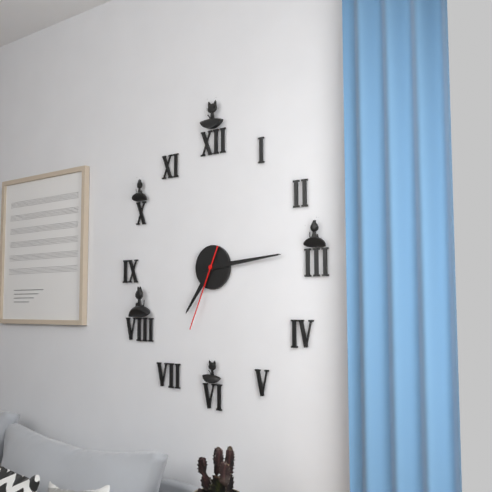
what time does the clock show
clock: 7:14:34
